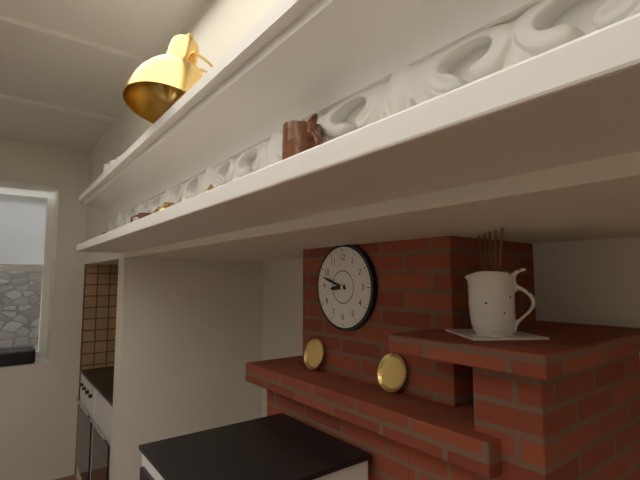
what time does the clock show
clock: 8:48
